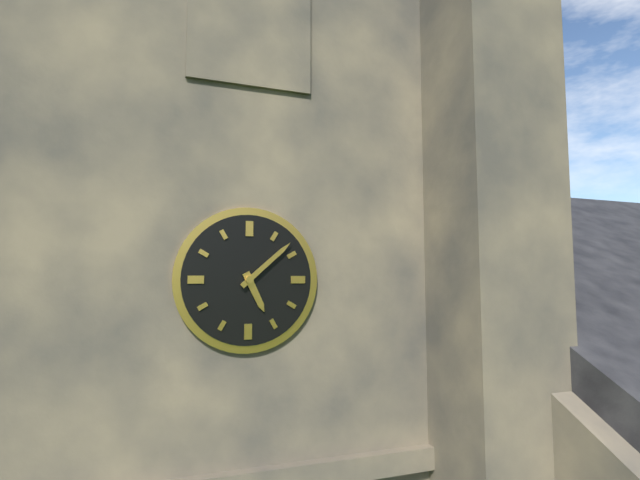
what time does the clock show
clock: 5:08
